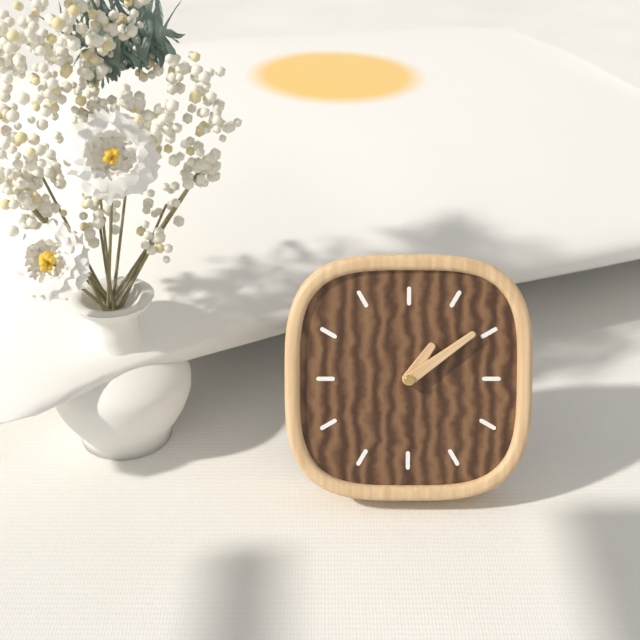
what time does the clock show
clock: 1:09
